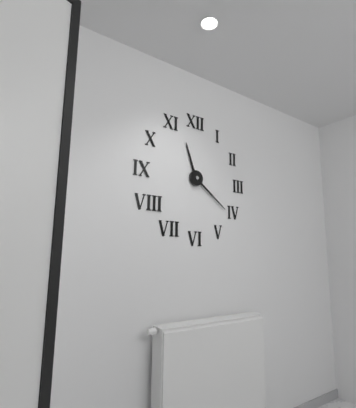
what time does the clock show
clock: 11:21
